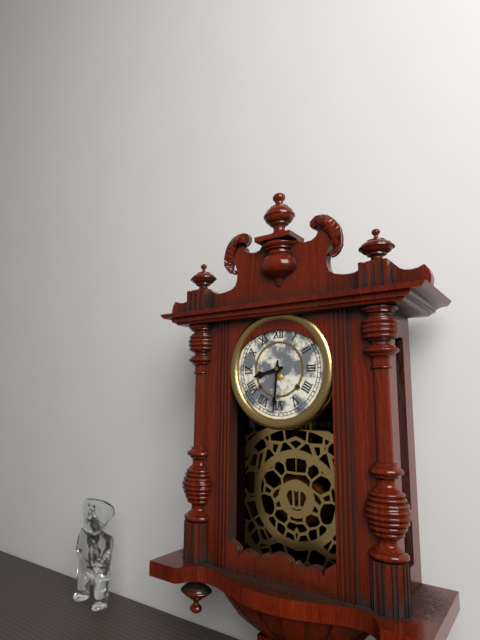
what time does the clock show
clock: 8:31
